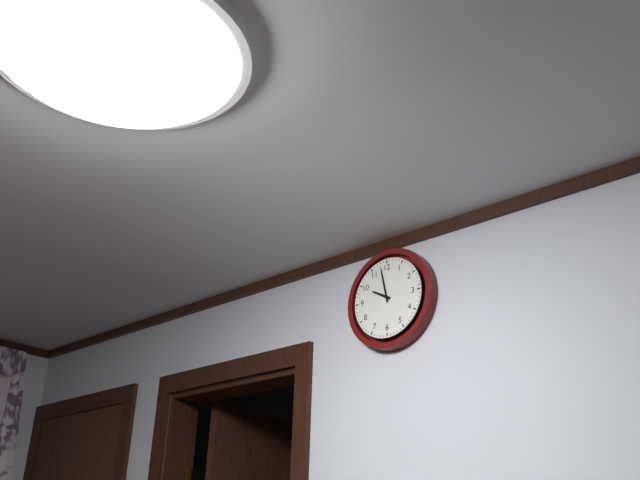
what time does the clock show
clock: 9:58
